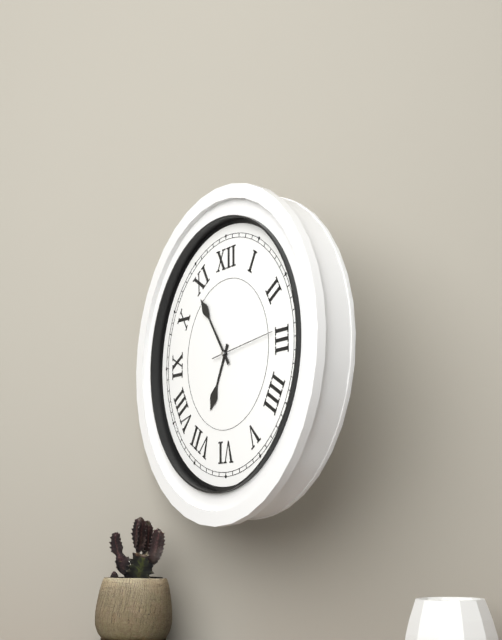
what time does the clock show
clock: 6:54:14
